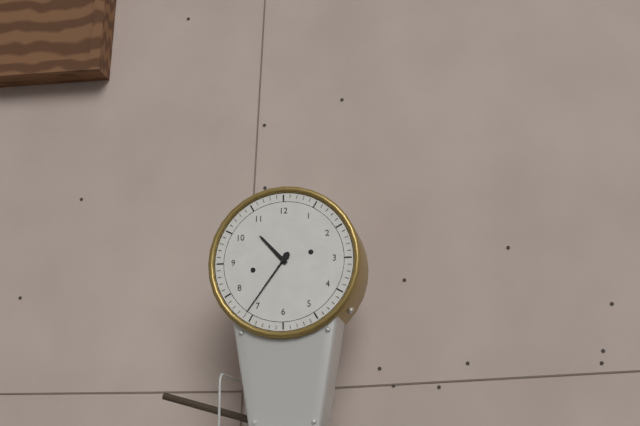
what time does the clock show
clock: 10:36
